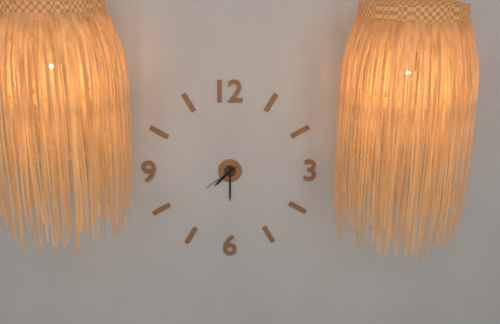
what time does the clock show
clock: 7:30
